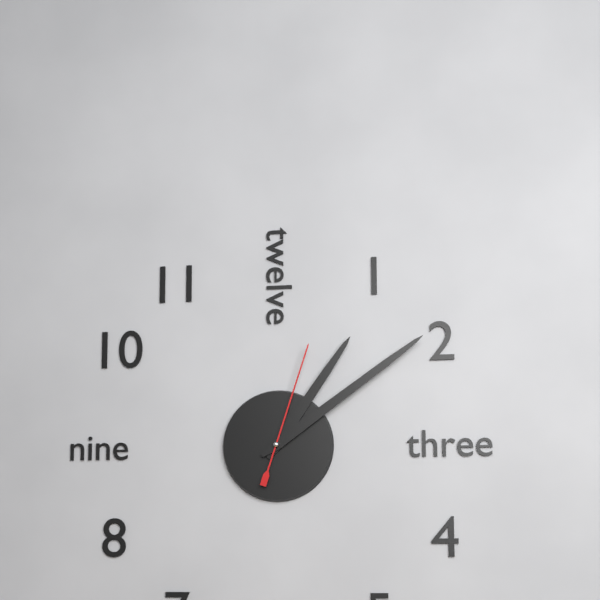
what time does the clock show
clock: 1:09:03
